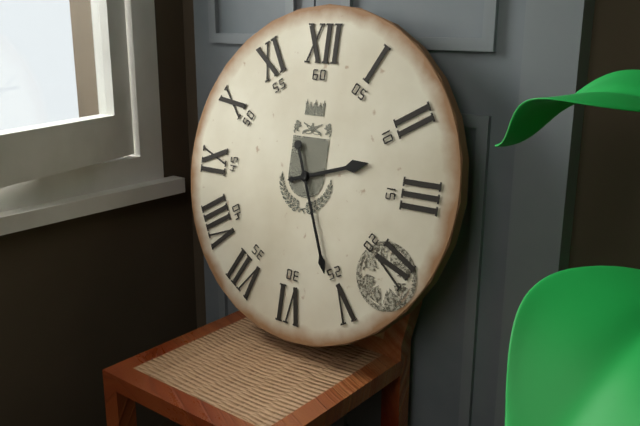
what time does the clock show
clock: 2:26
